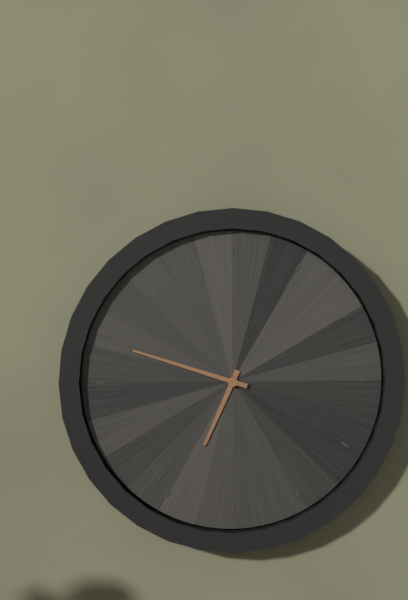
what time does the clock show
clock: 6:48
